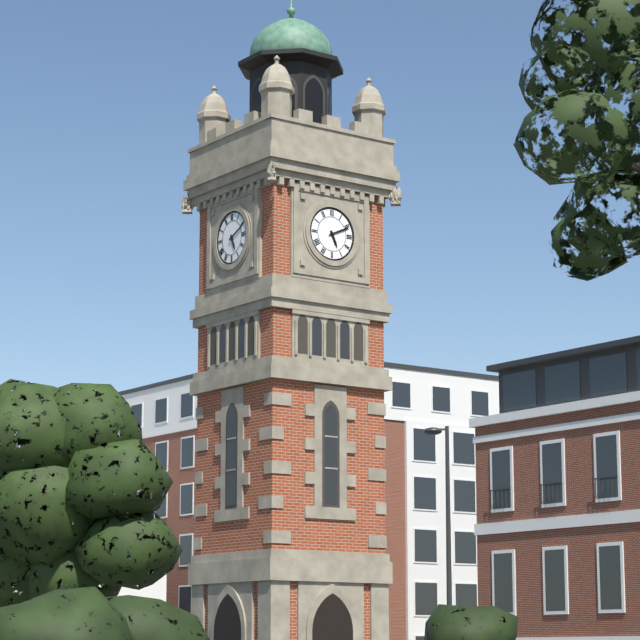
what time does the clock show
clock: 5:11
